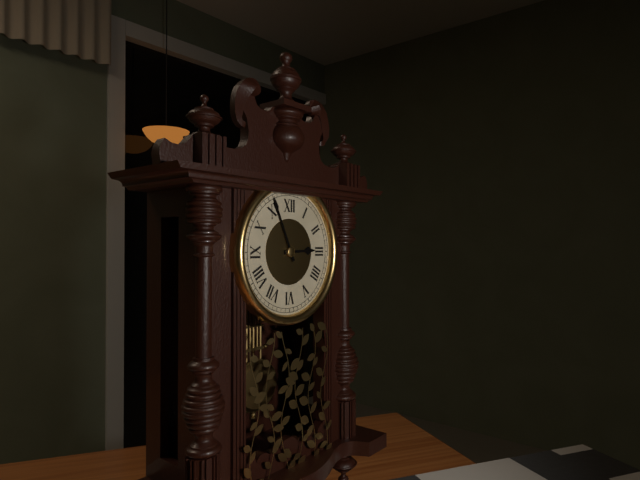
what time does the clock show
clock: 2:56
